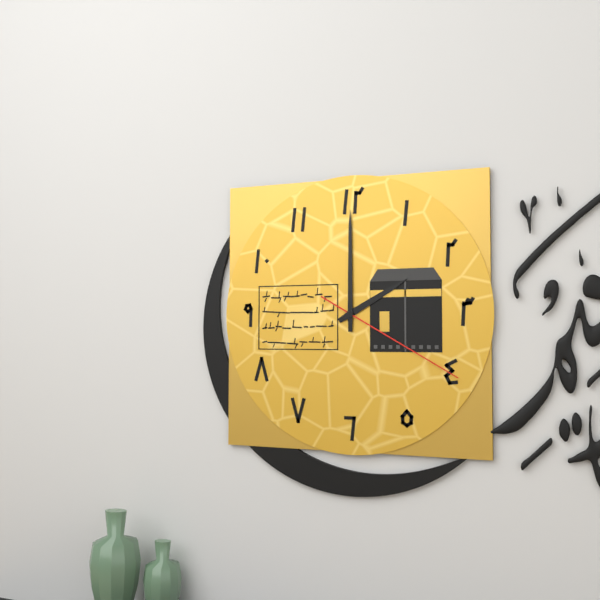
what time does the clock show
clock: 2:00:20
